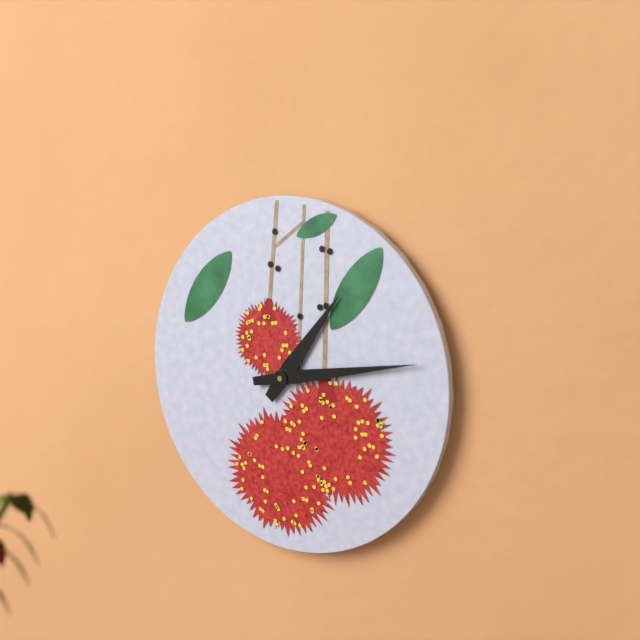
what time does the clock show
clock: 1:13
